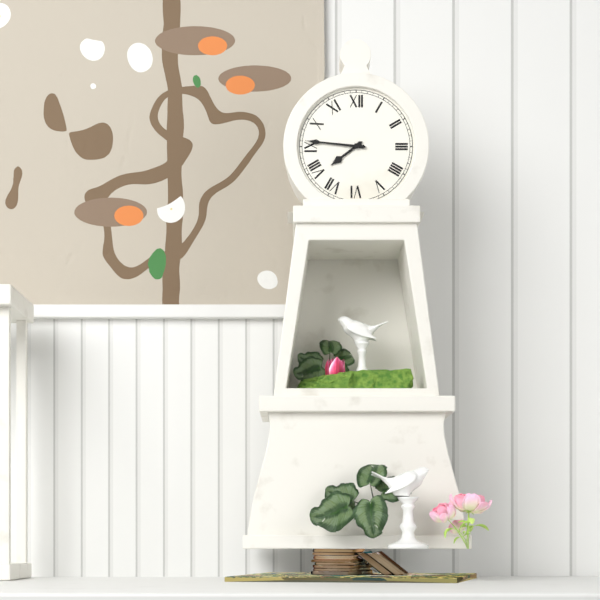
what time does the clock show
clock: 7:46
